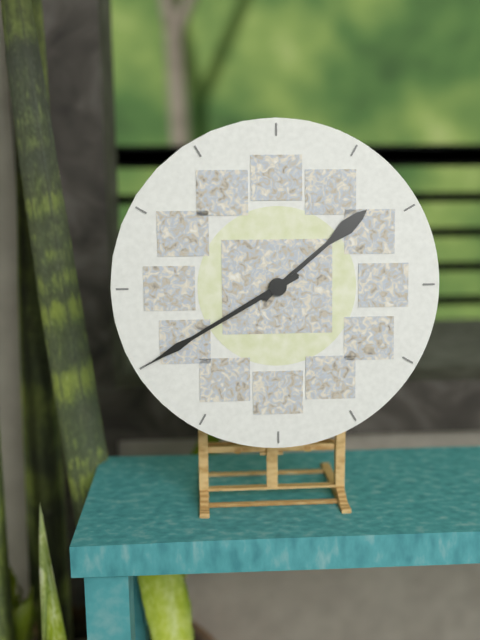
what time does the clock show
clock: 1:40
